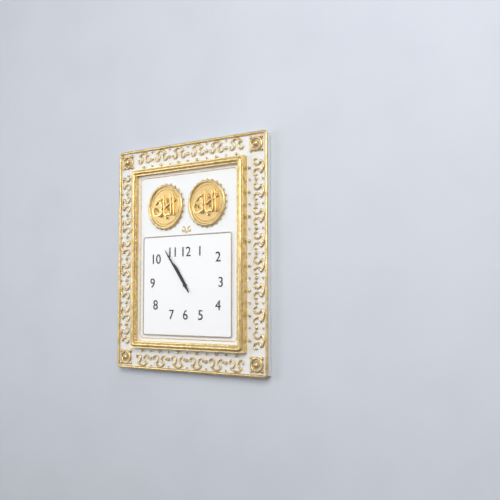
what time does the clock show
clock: 10:54
